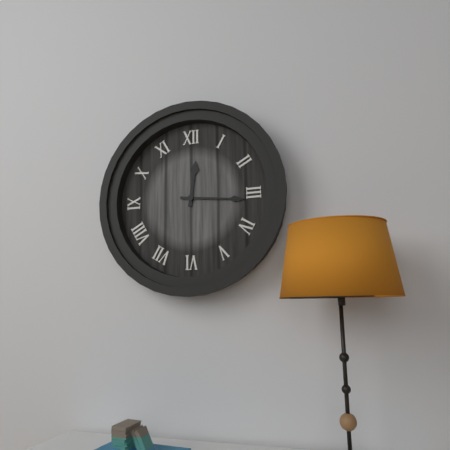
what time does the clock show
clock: 12:16
